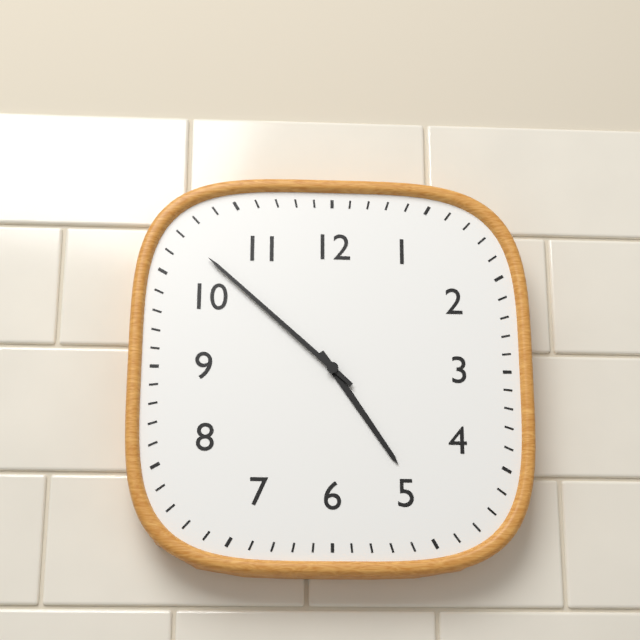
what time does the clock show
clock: 4:52
